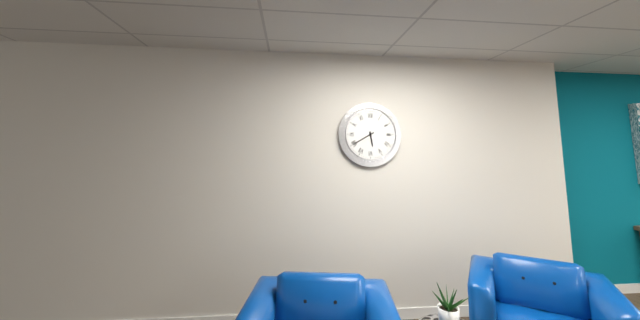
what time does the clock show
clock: 5:40
